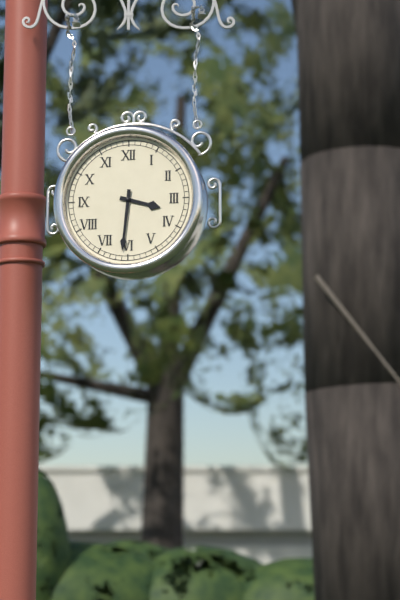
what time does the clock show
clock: 3:31
